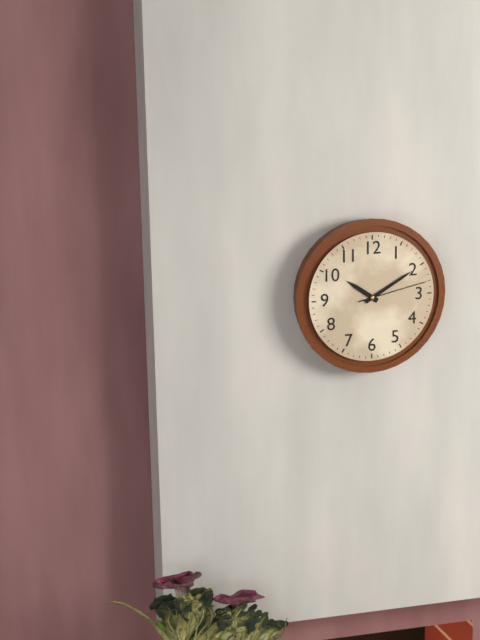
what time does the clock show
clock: 10:10:13
